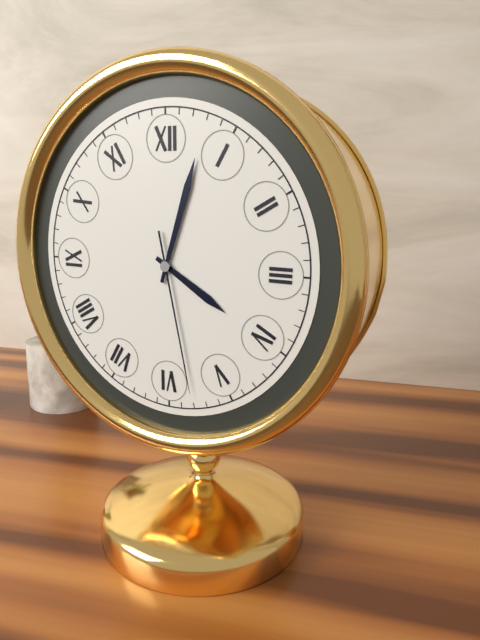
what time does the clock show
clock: 4:03:28
